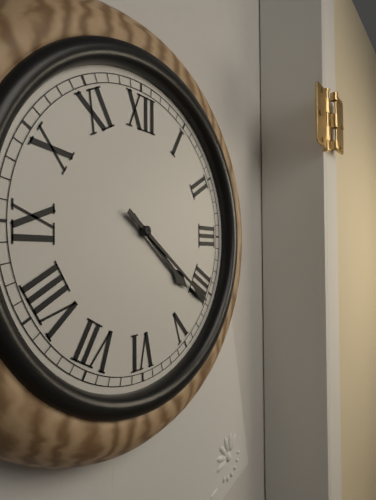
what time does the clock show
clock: 4:21
